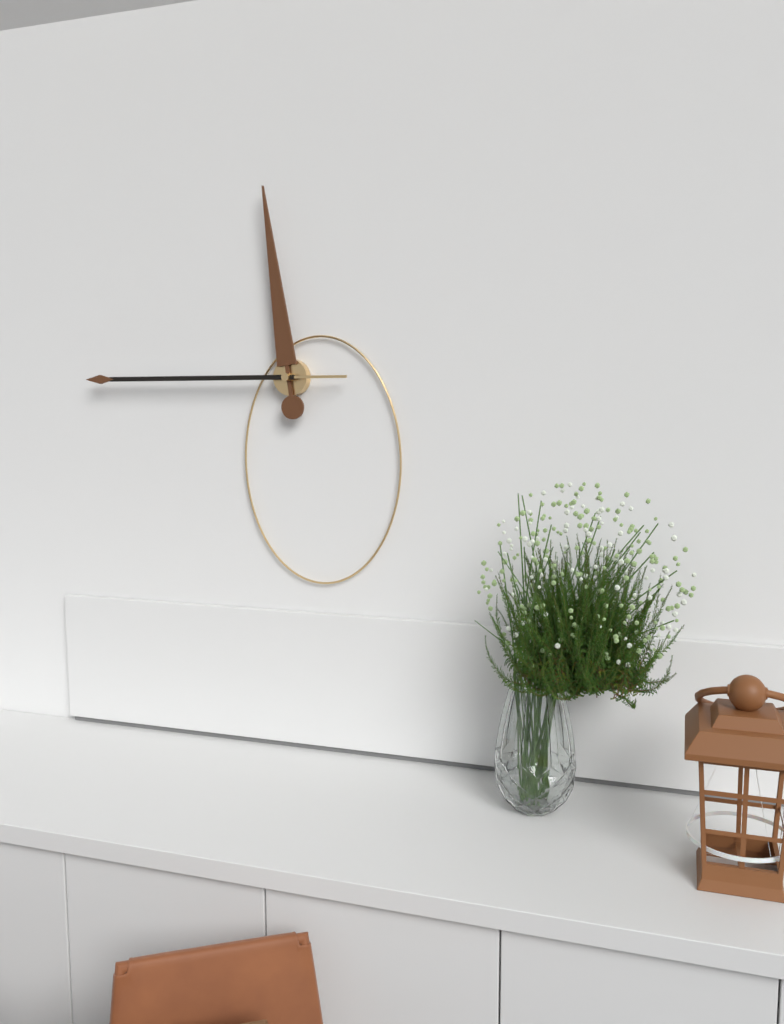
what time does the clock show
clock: 11:45
